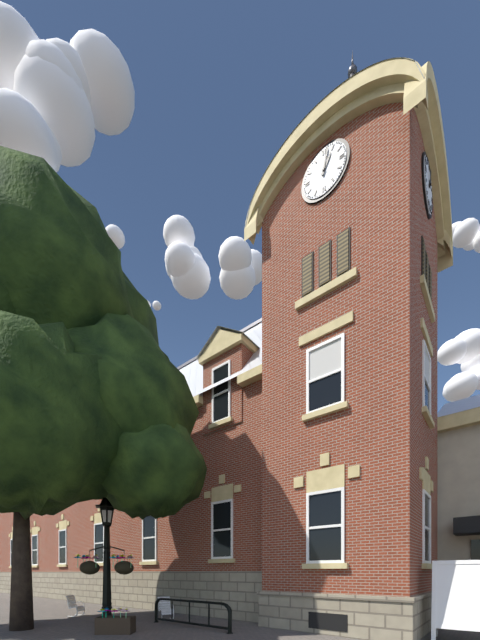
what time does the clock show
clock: 1:02
